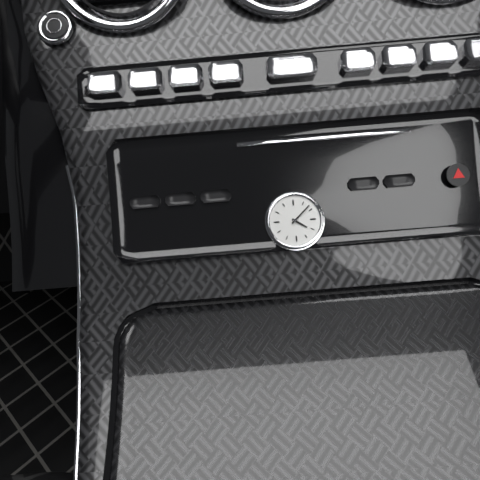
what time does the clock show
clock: 4:08
